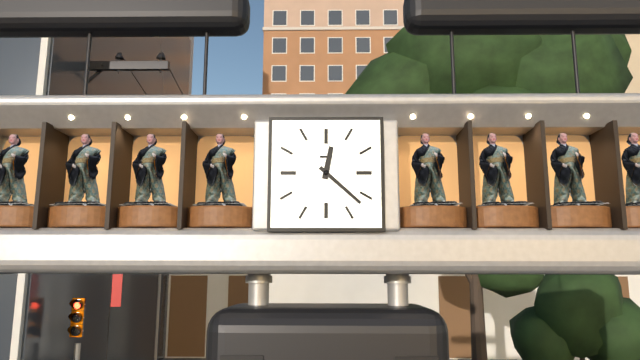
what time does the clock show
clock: 12:22
